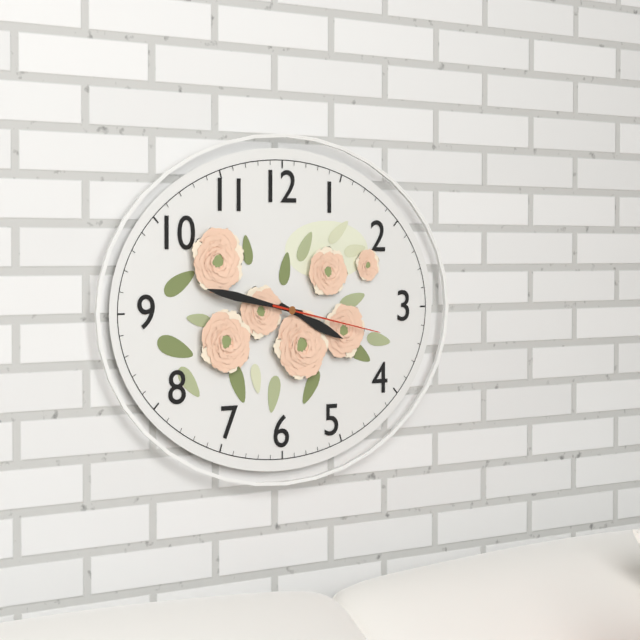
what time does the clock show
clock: 3:47:17
